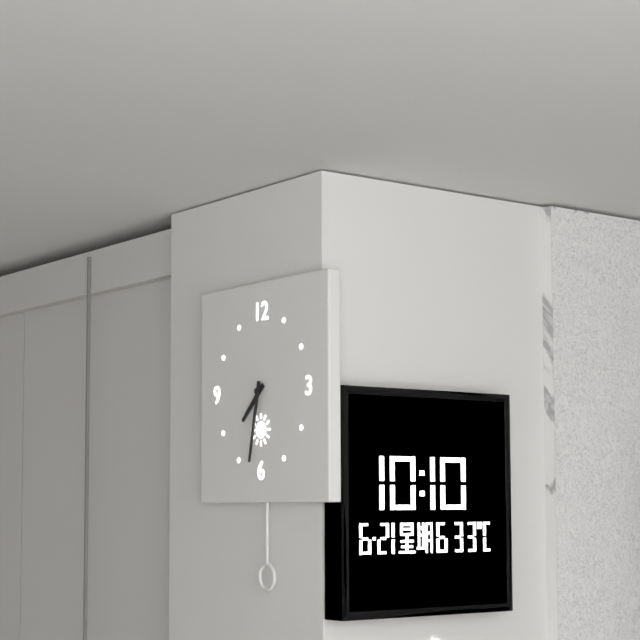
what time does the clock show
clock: 7:32
